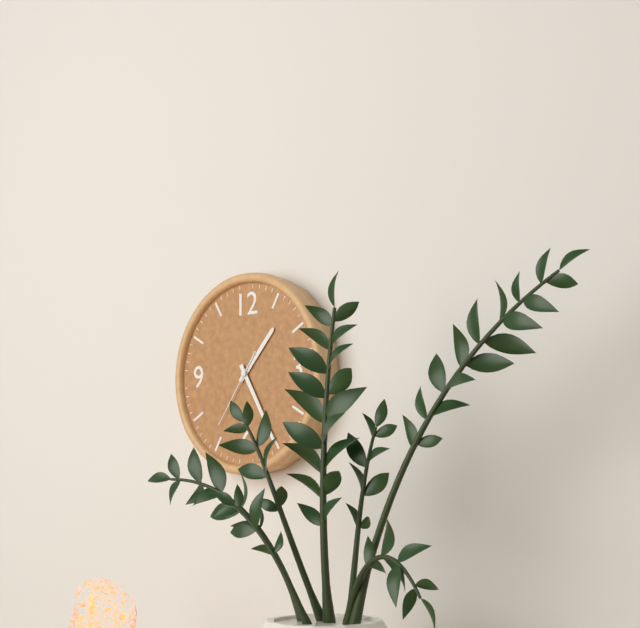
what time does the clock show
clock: 1:25:36
